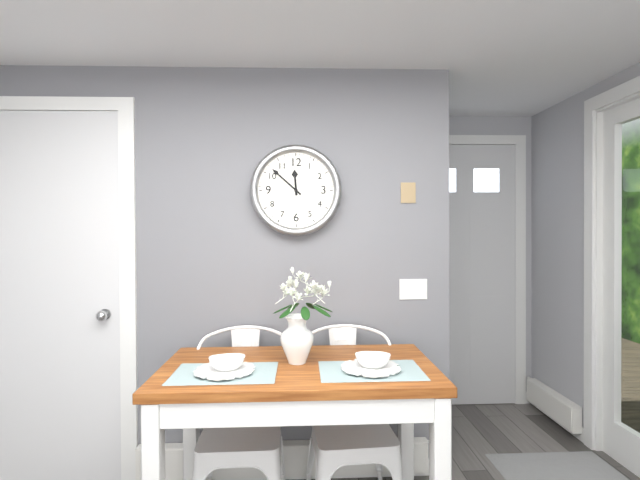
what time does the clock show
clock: 11:52
